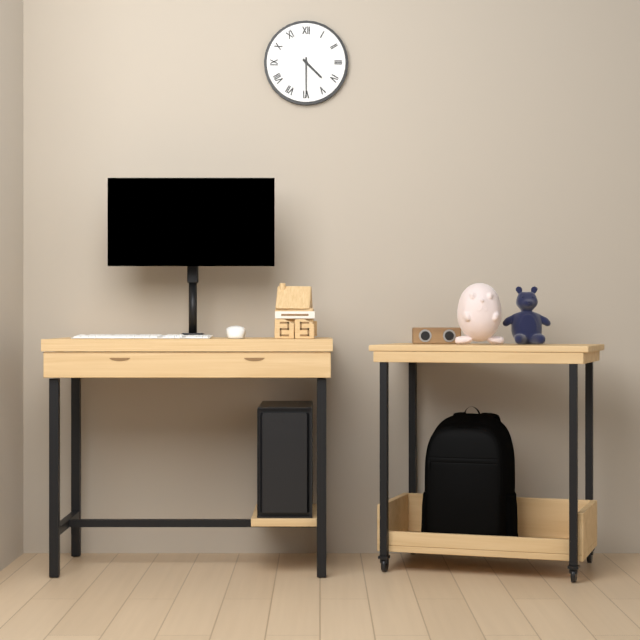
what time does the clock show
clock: 4:30
